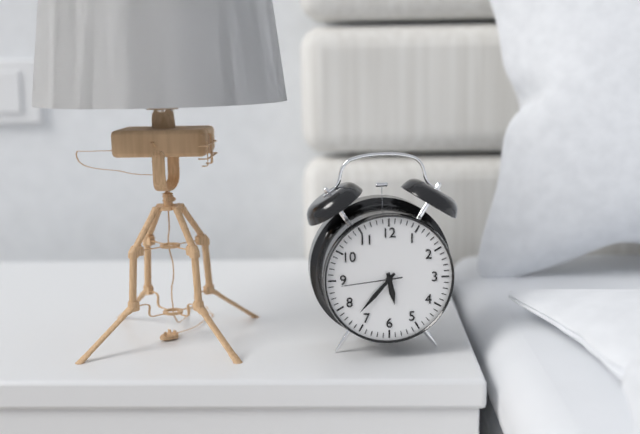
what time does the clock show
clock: 5:37:44
